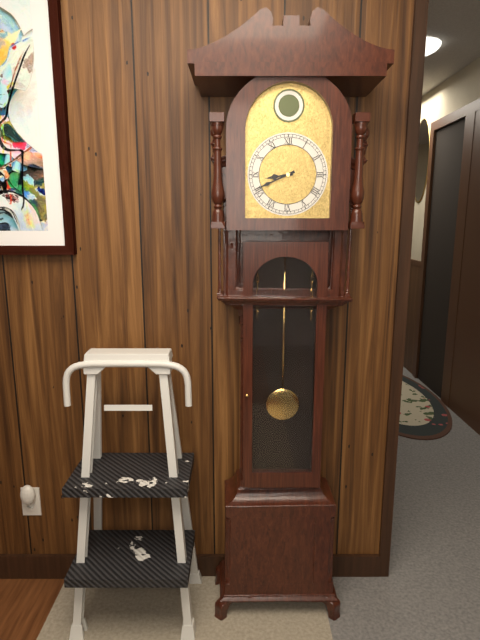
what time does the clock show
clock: 8:41
